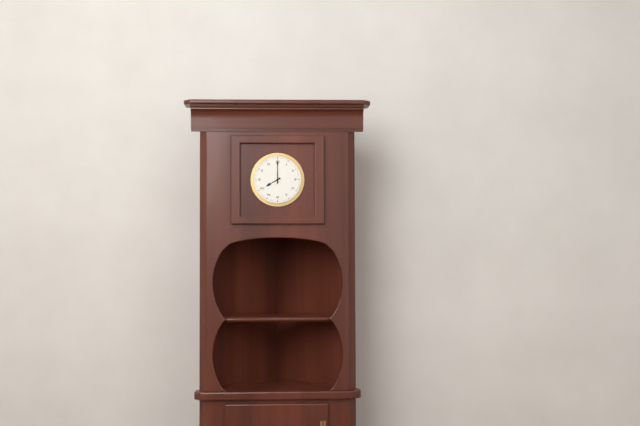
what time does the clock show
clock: 8:00
